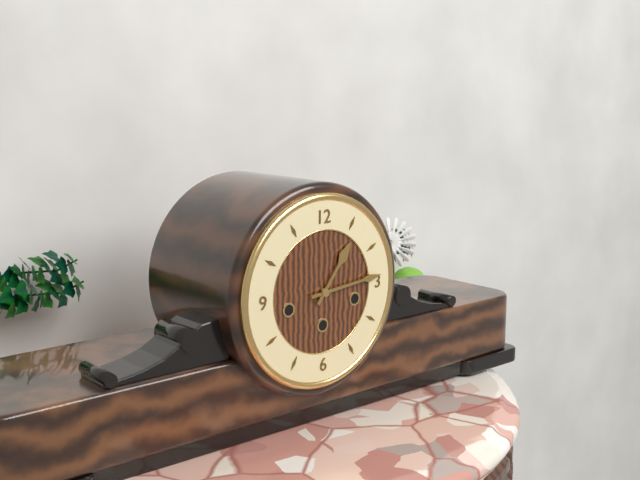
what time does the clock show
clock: 1:14
